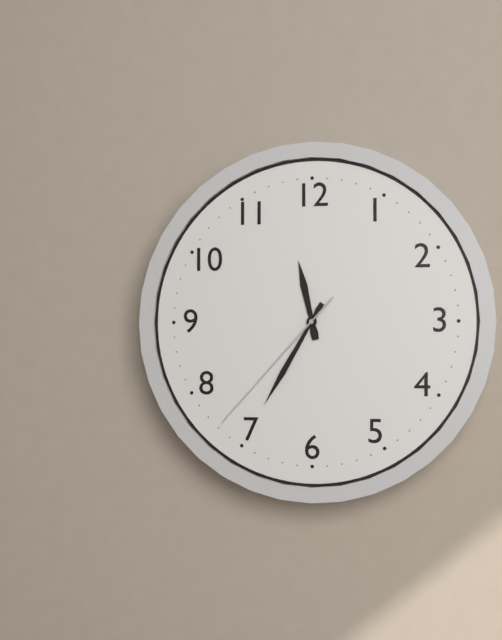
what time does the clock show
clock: 11:35:37
